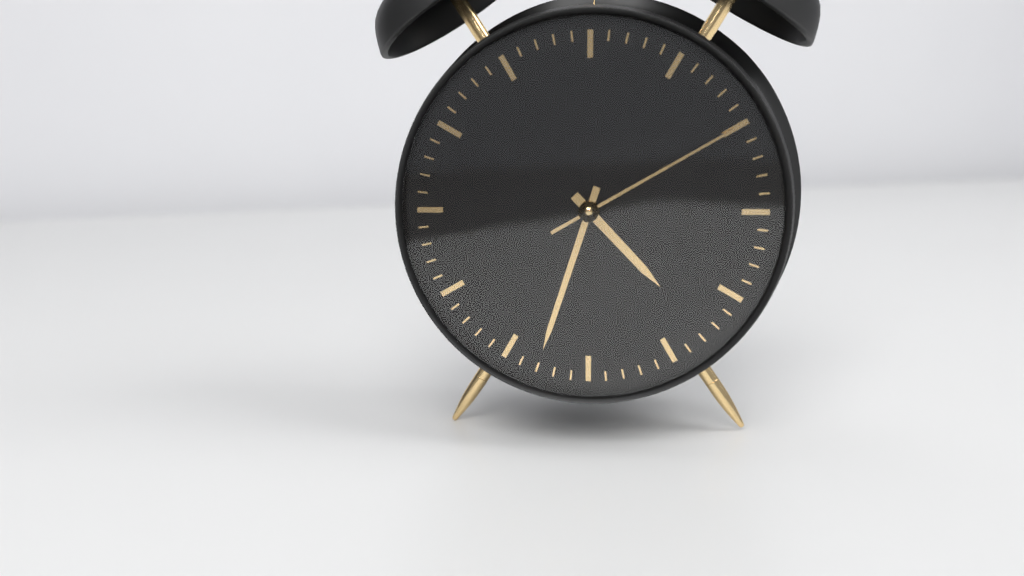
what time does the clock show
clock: 4:33:10
